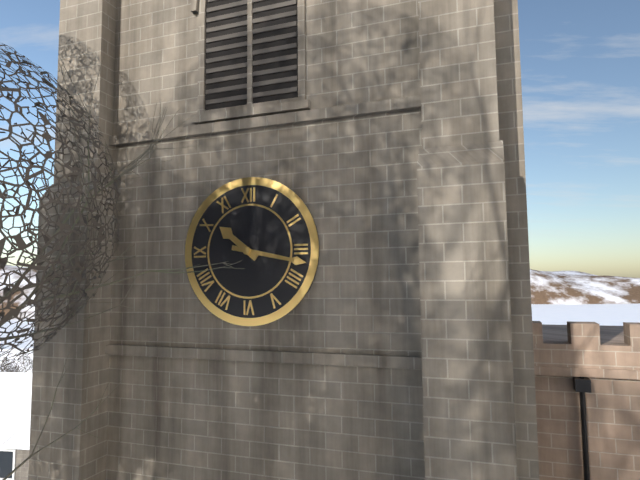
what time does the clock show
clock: 10:17
